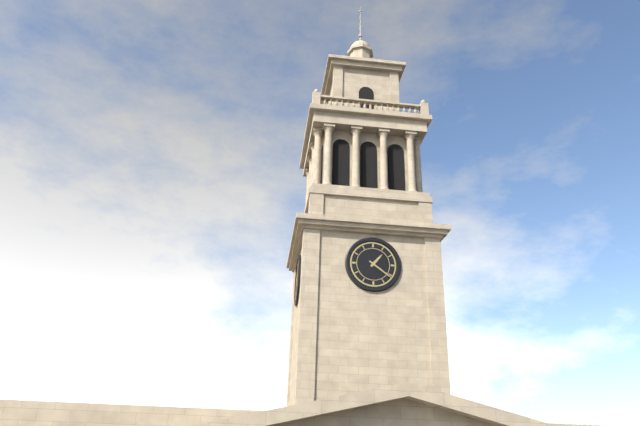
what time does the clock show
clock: 1:21
